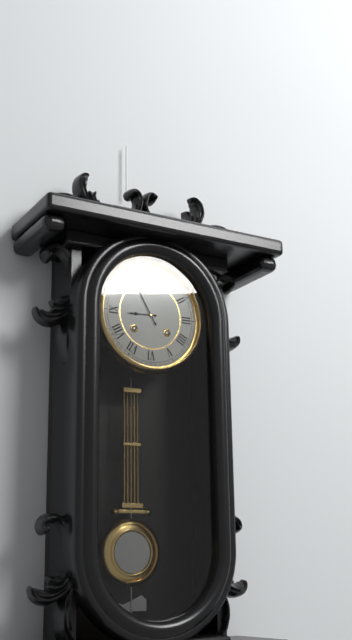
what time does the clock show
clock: 8:55
